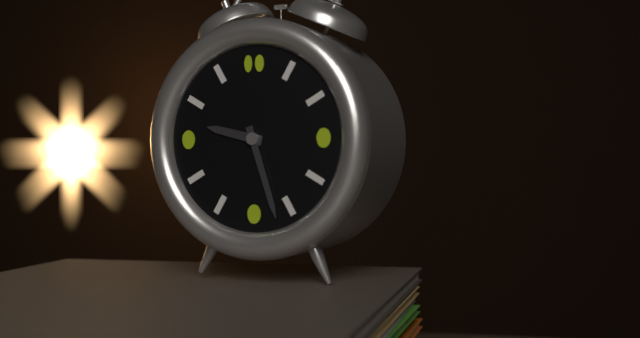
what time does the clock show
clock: 9:27
